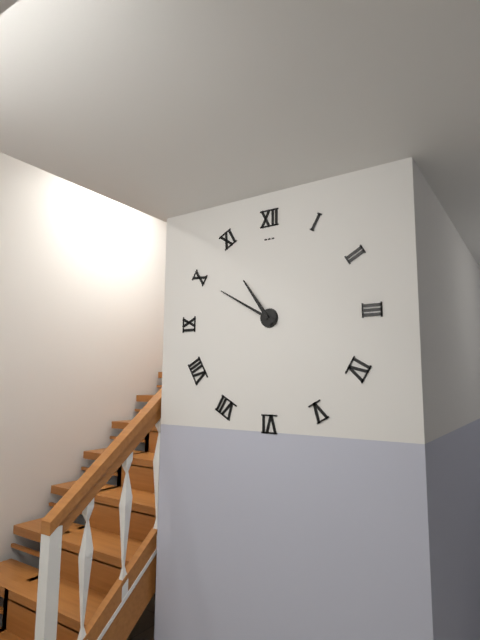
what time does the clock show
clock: 10:50
